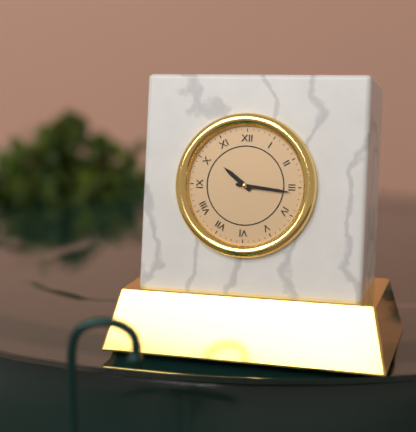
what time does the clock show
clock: 10:16
